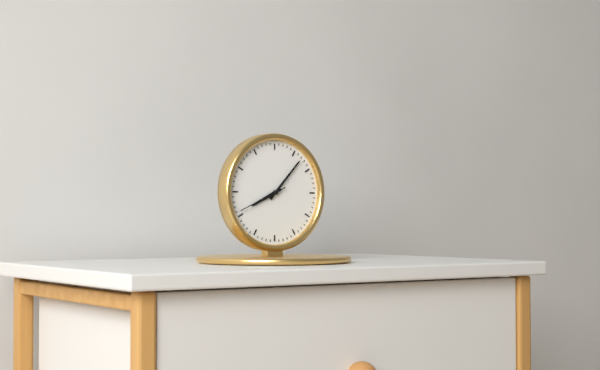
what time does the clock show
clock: 8:07:41
